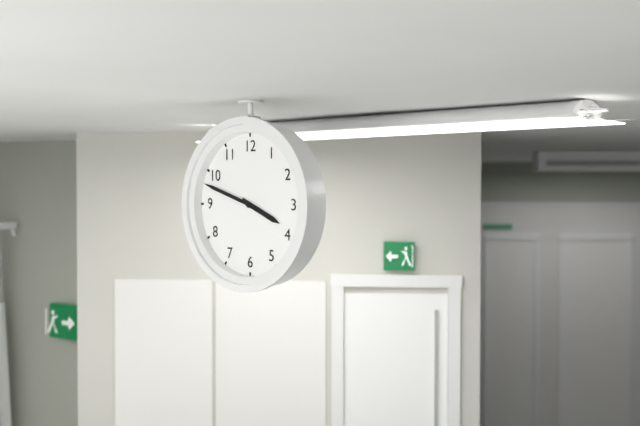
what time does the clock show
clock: 3:48
